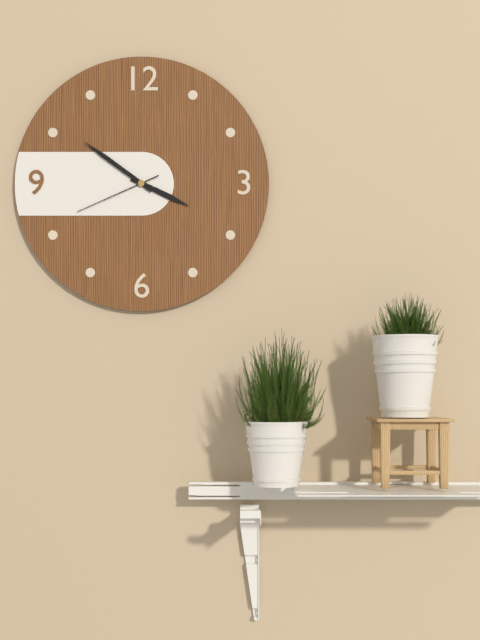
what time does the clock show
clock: 3:51:41
